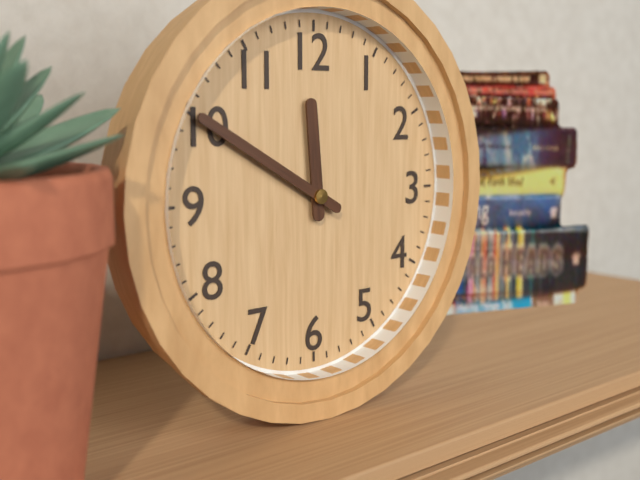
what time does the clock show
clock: 11:50
